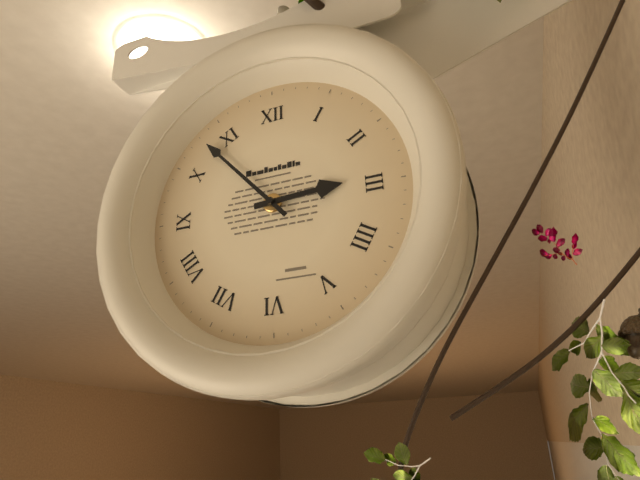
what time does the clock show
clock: 2:53
